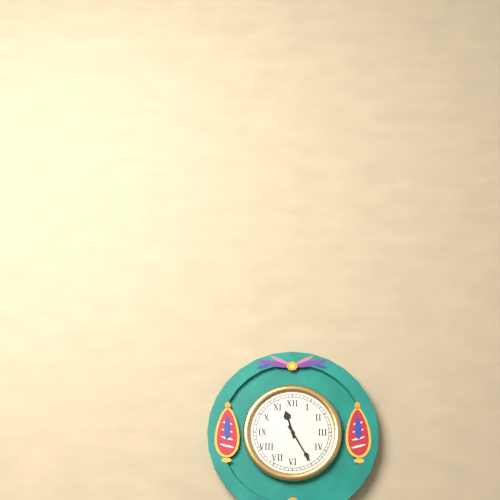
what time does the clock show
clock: 11:25
